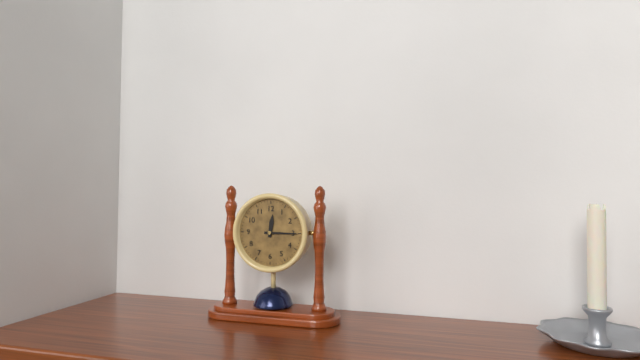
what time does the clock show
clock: 12:15
